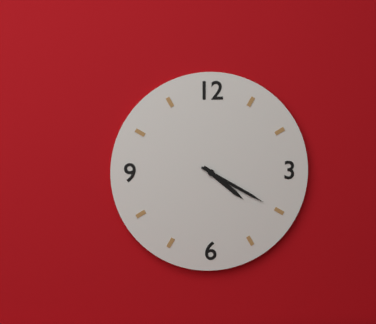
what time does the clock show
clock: 4:20
